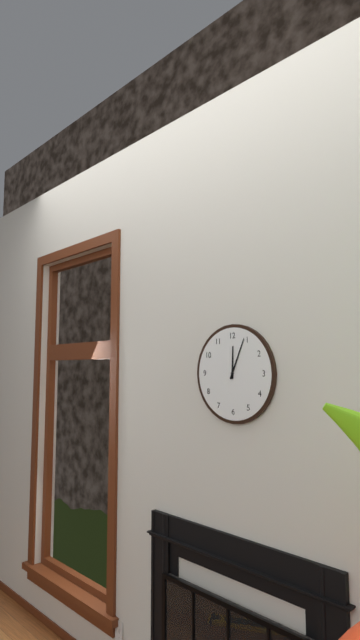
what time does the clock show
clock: 12:04
